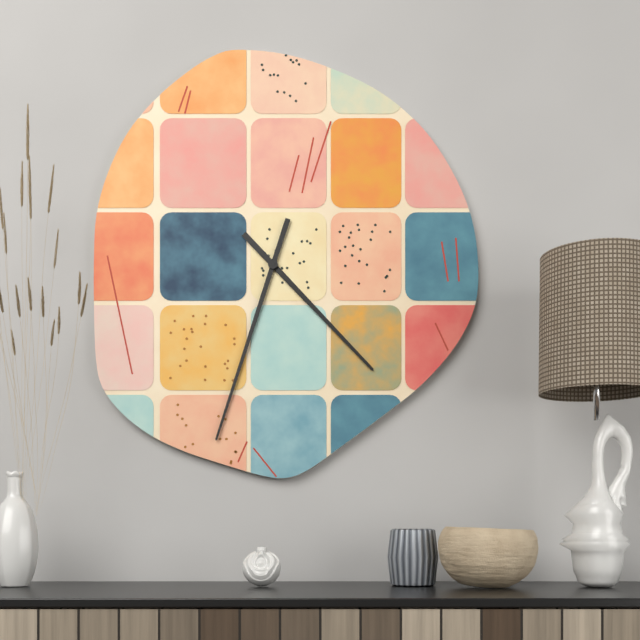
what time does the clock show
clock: 4:33
